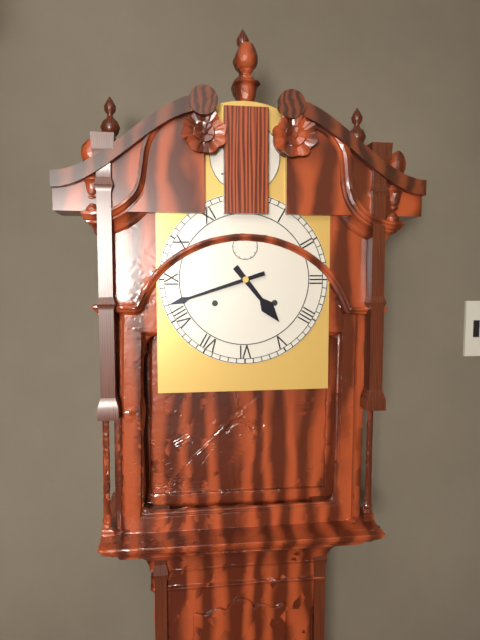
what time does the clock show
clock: 4:42
